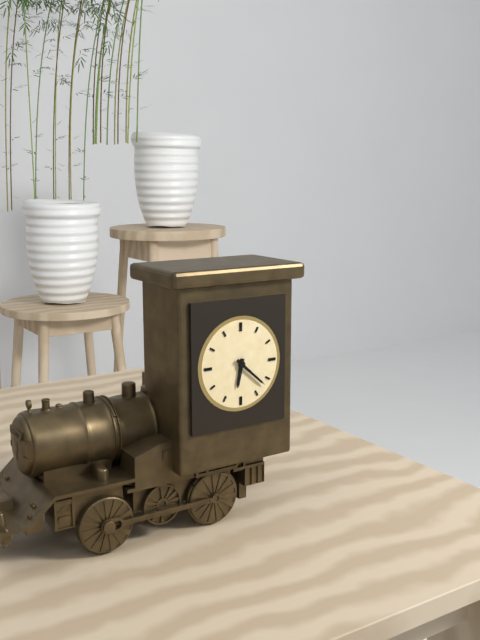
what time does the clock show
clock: 6:22
